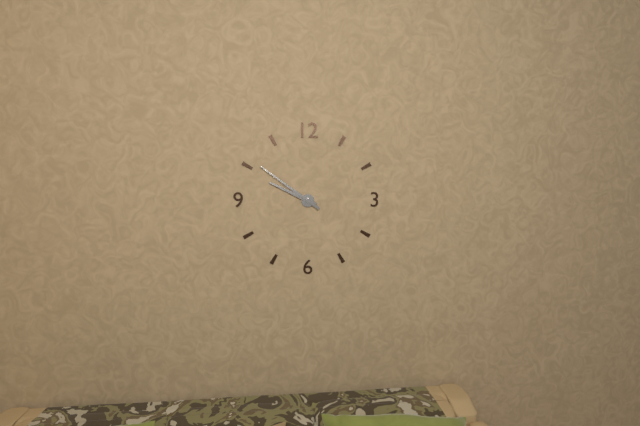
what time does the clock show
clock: 9:51
